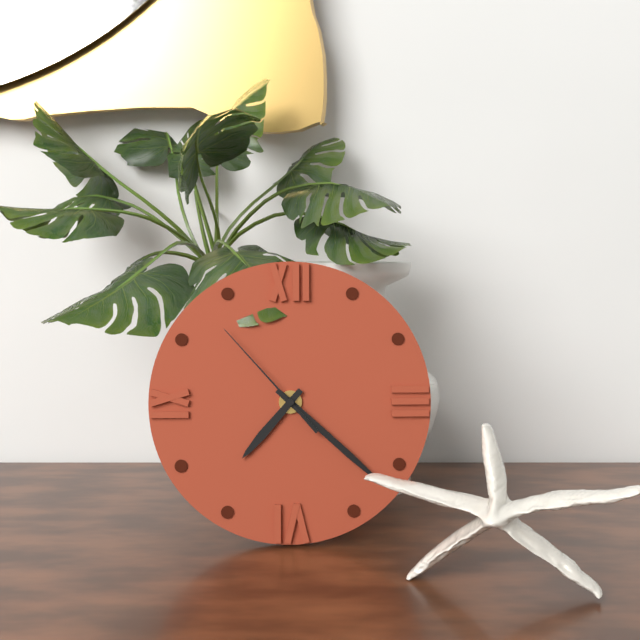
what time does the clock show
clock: 7:22:53
